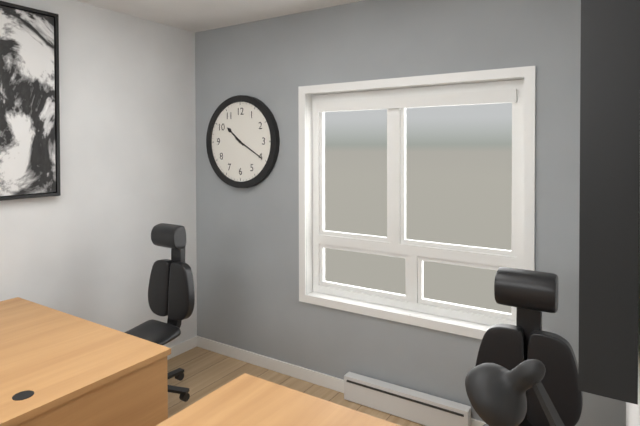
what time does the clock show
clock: 10:20
